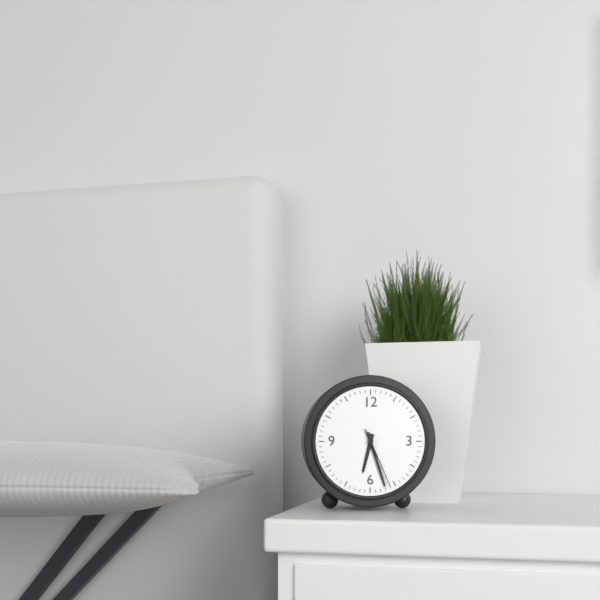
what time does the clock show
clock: 6:27:26
